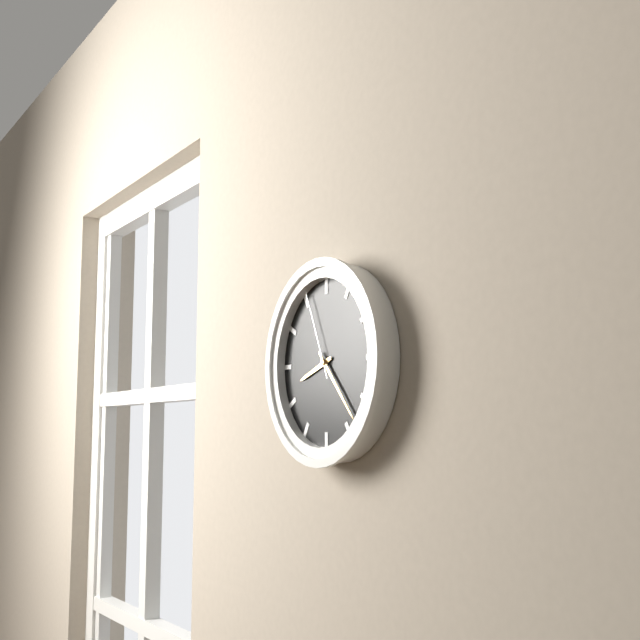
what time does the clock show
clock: 8:23:56
